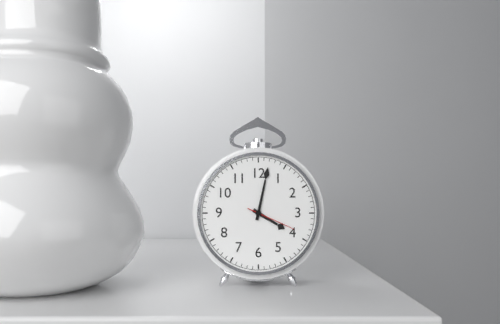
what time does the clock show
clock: 4:02
